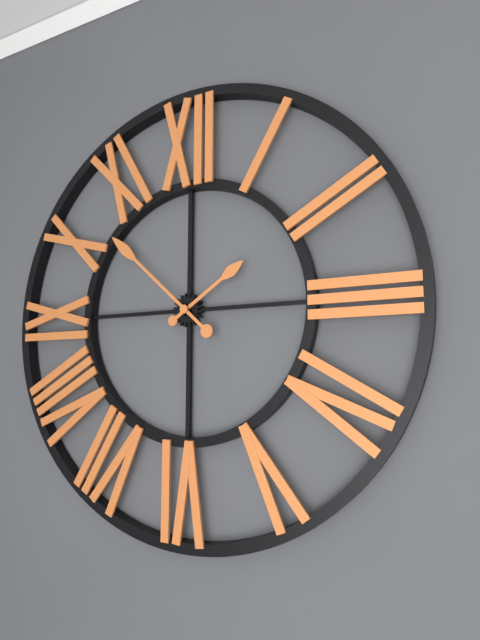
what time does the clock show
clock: 1:52
